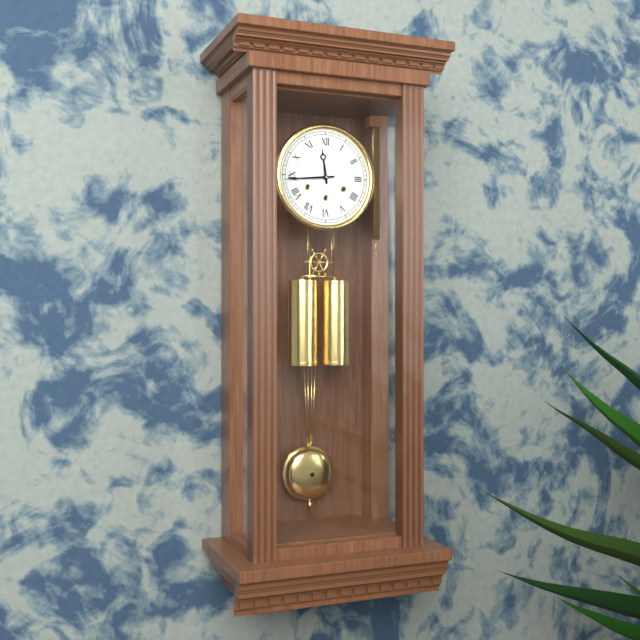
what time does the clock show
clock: 11:44
